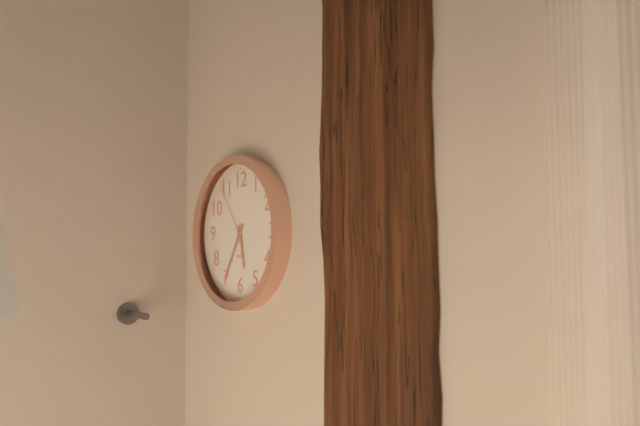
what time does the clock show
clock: 5:35:54
